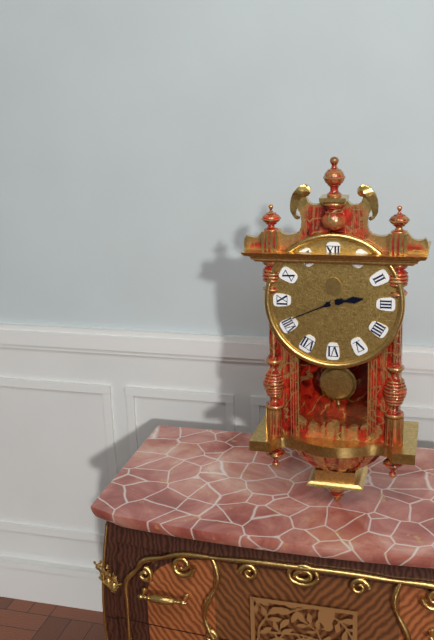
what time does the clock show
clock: 2:41
